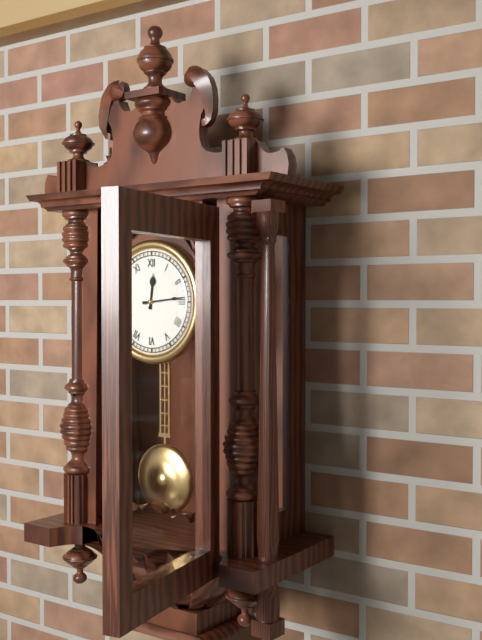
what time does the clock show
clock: 12:14
